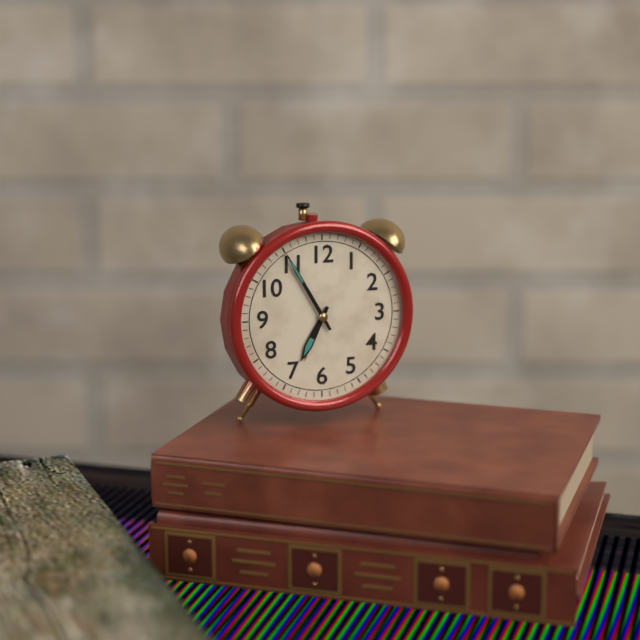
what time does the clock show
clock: 6:55
